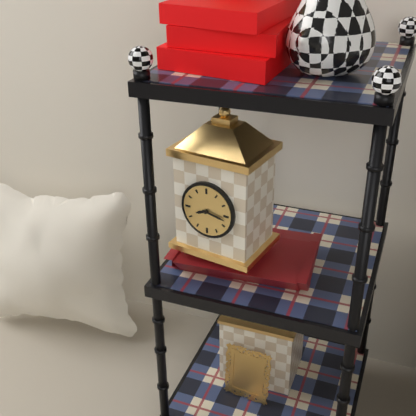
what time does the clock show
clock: 8:17
